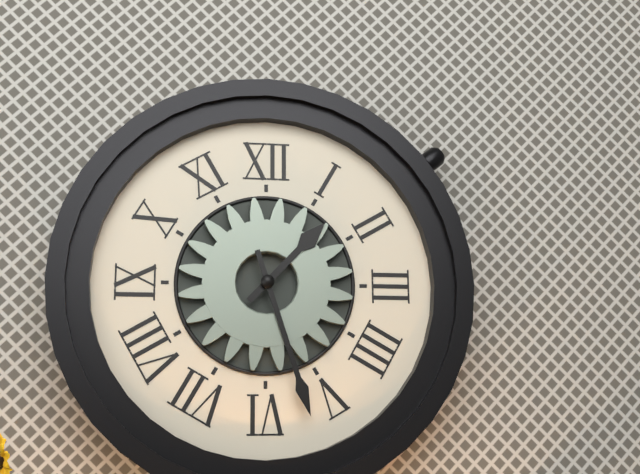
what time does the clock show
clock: 1:27
